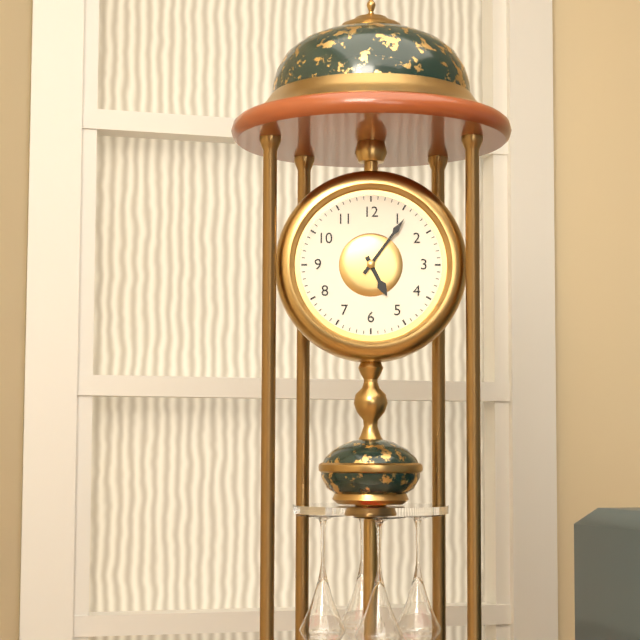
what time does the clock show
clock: 5:06
